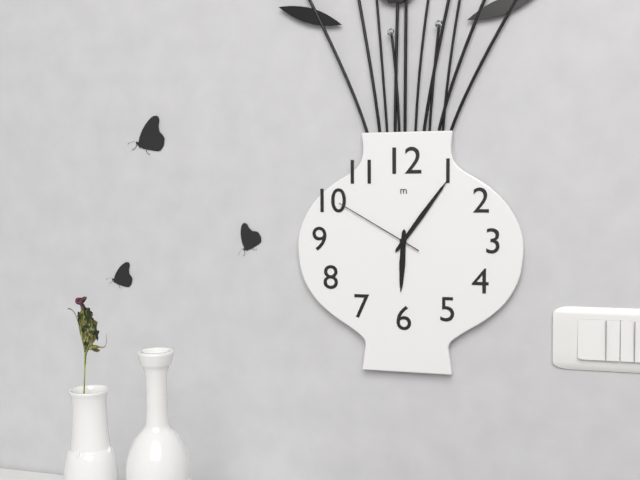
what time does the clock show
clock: 6:06:50
